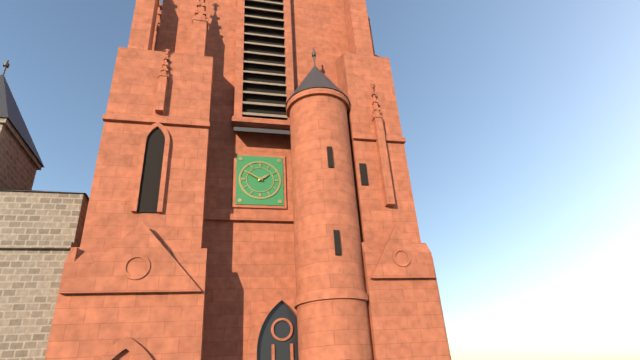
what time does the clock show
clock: 1:50
